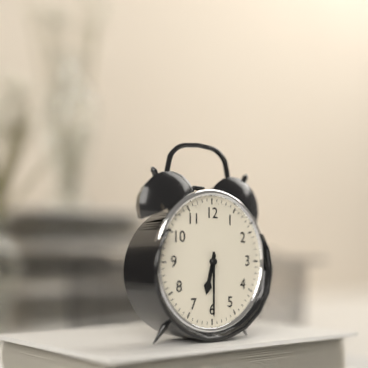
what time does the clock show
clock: 6:30
